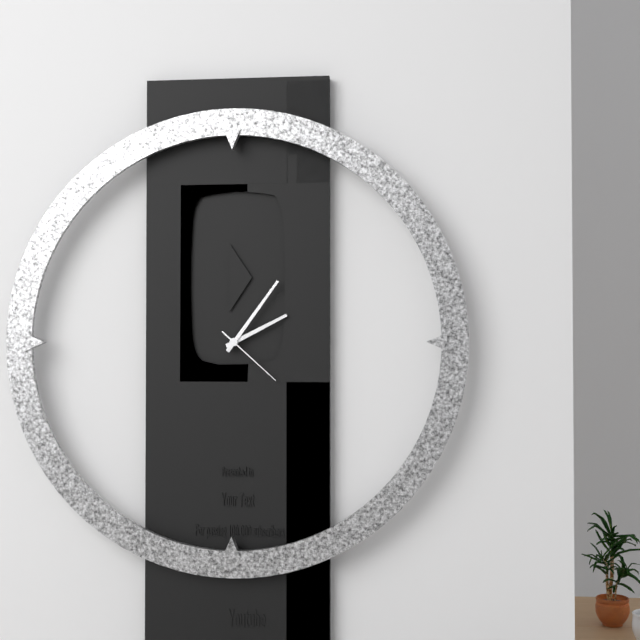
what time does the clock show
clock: 2:06:22
